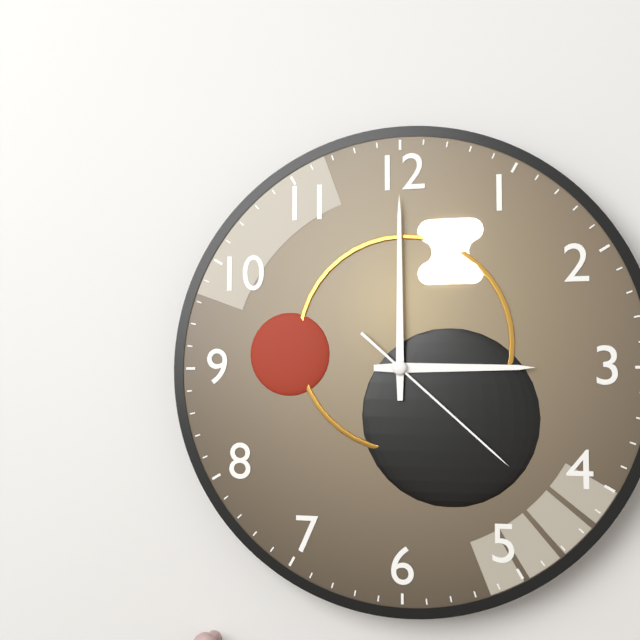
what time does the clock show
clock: 3:00:22
